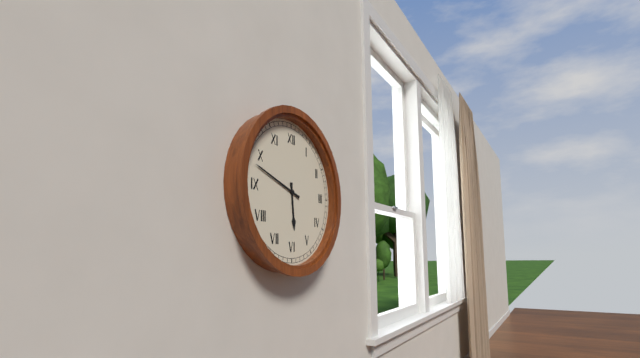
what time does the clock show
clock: 5:48
